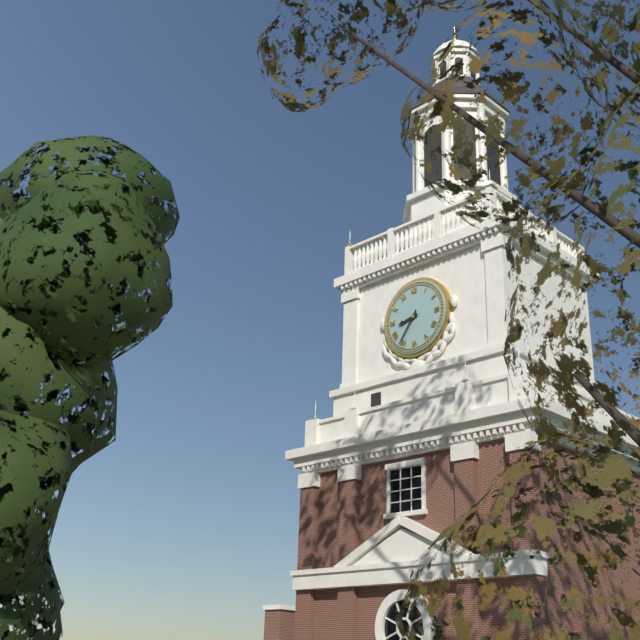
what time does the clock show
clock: 8:36
